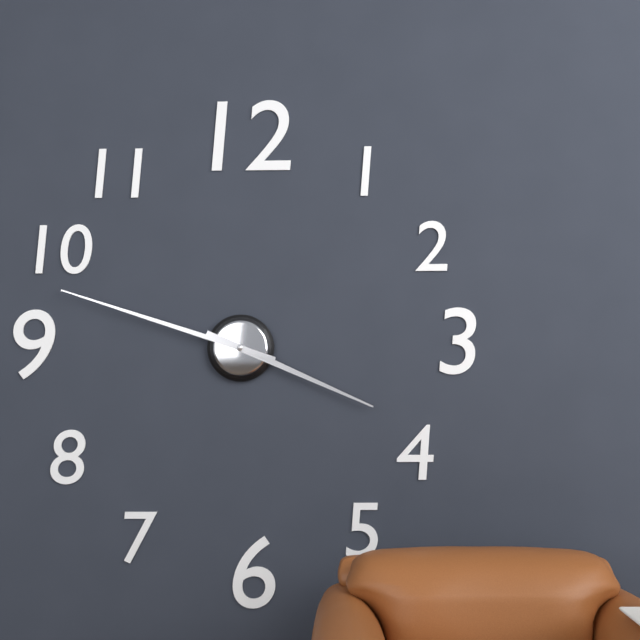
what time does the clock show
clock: 3:48
